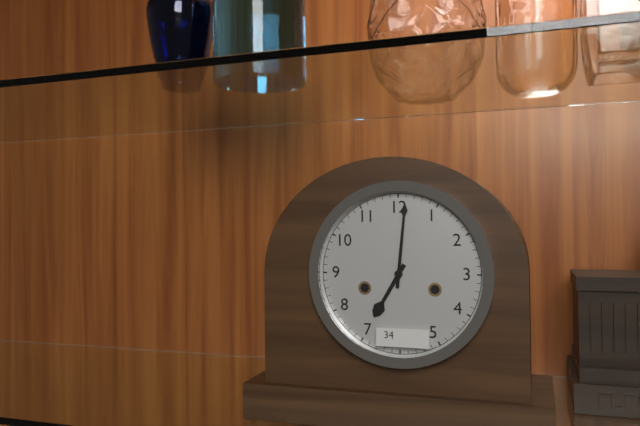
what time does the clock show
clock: 7:01
